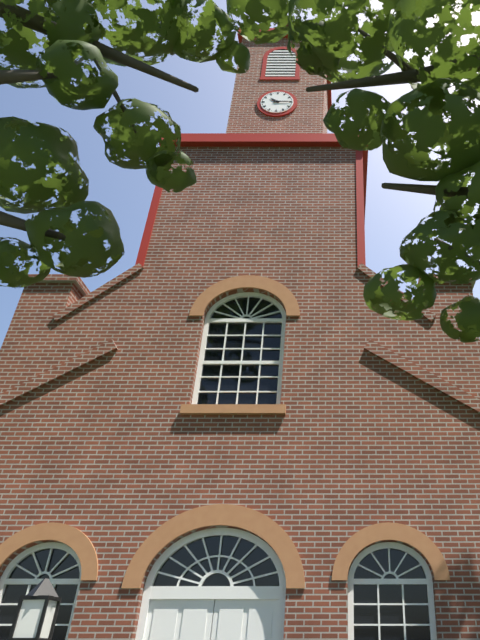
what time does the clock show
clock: 10:15
